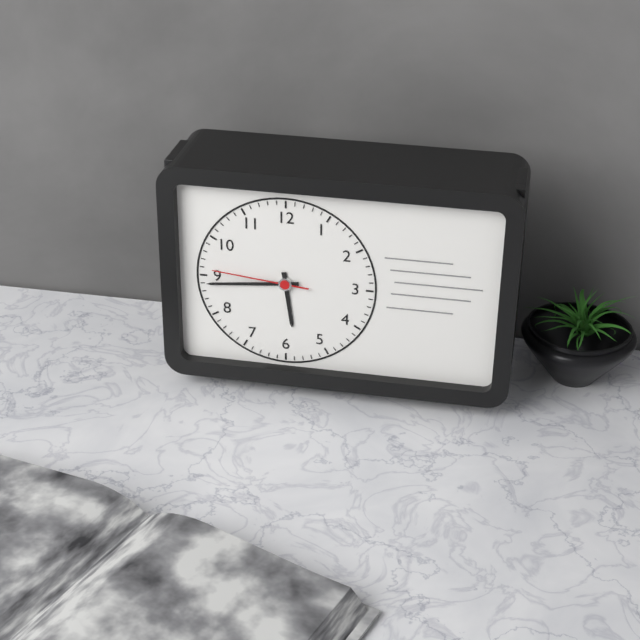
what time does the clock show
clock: 5:44:46
